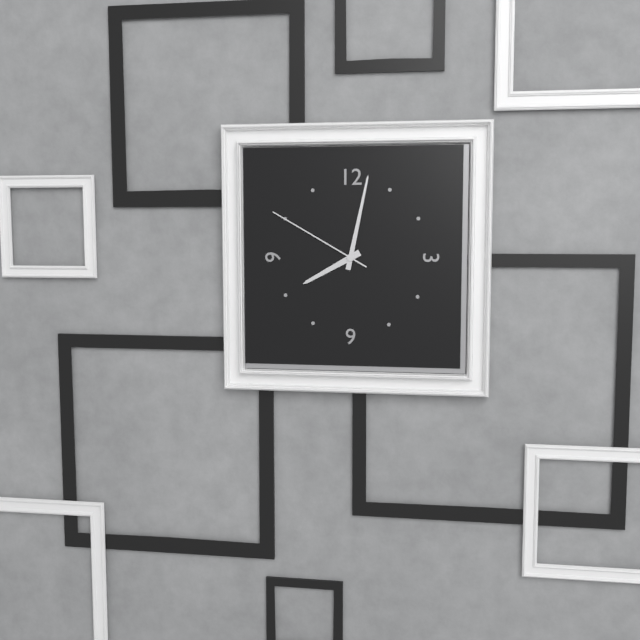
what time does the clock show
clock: 8:02:50
